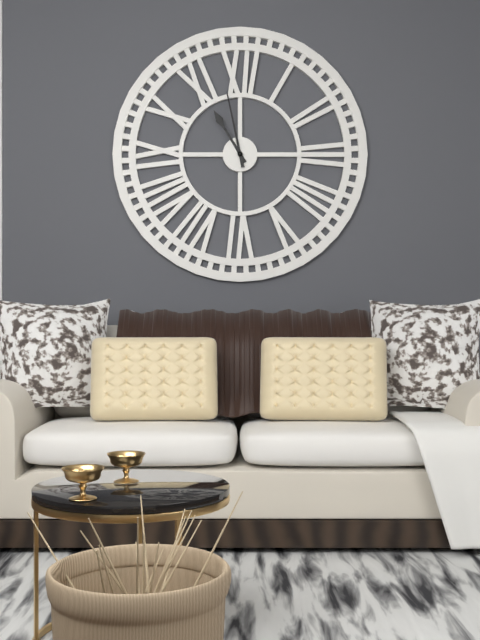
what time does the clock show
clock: 10:58
